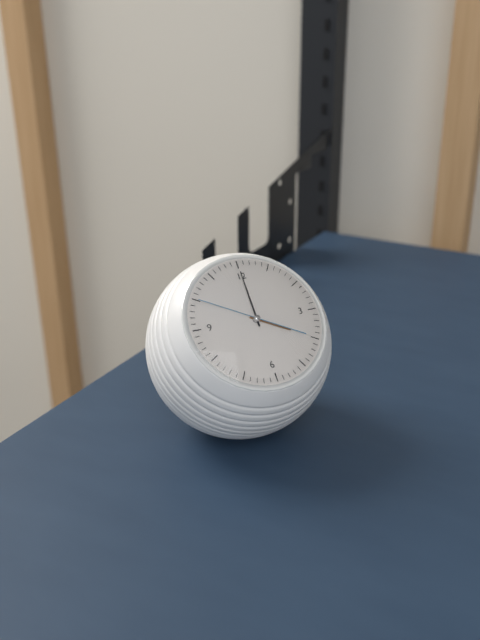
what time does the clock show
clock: 4:00:50
